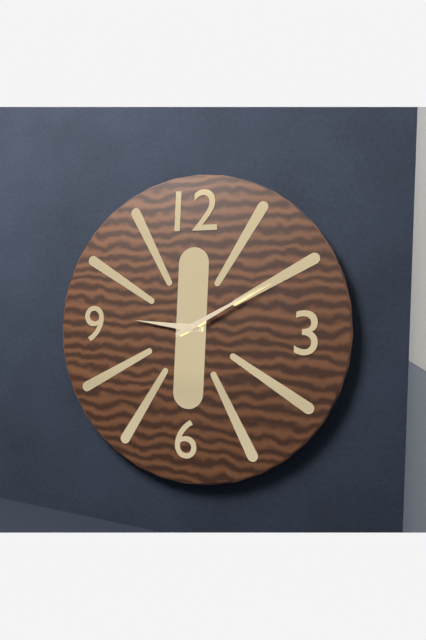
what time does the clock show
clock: 9:10
